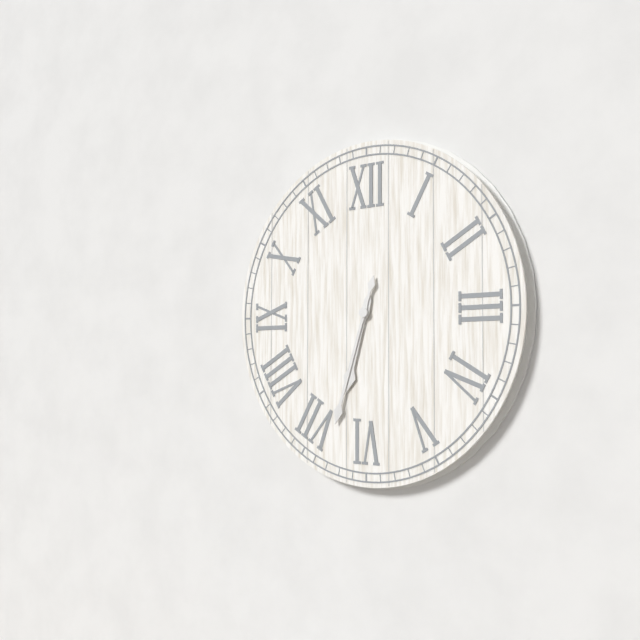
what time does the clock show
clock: 6:33
